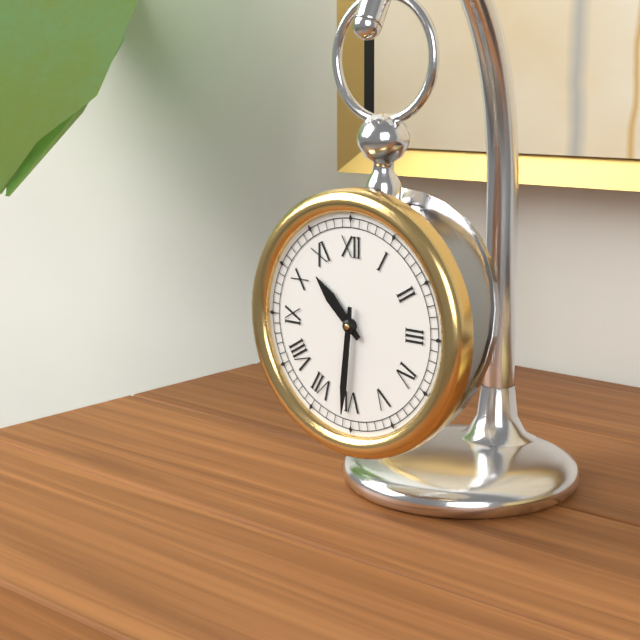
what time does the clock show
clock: 10:31
